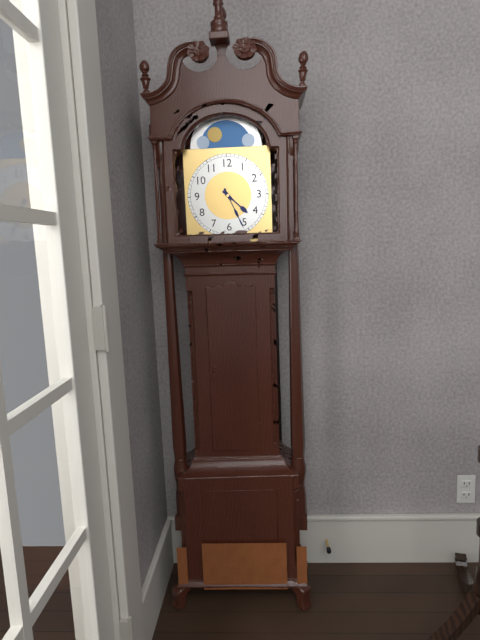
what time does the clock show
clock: 4:26
